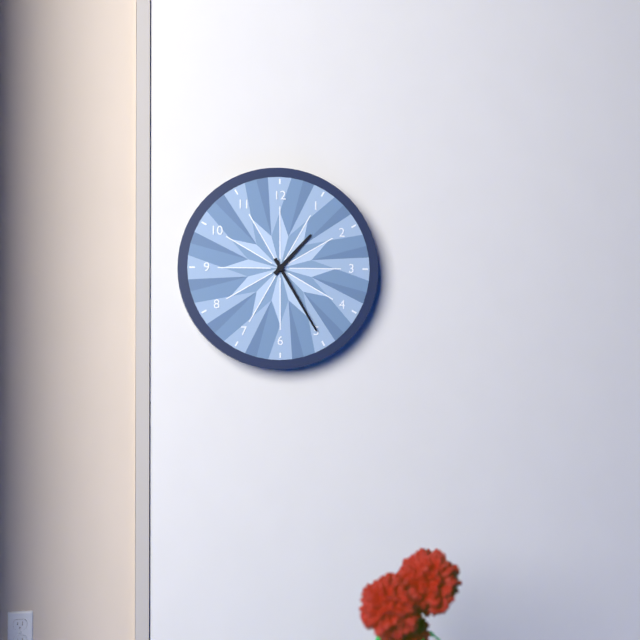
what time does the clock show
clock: 1:25
